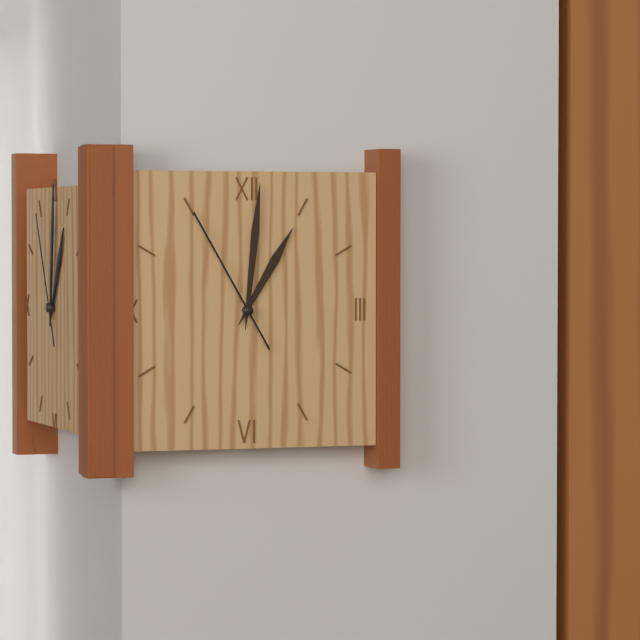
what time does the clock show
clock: 1:01:55
